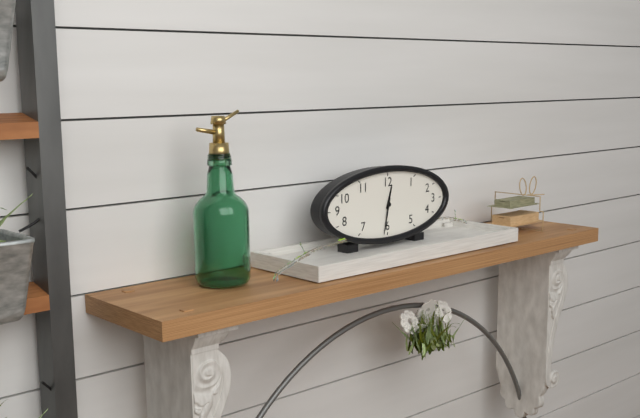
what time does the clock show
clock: 12:32
